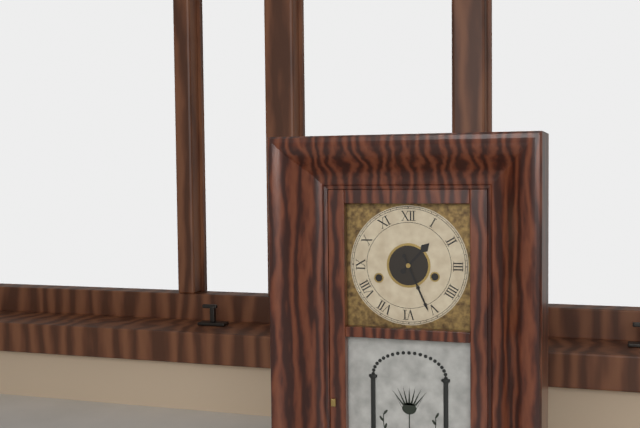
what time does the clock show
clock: 1:26
